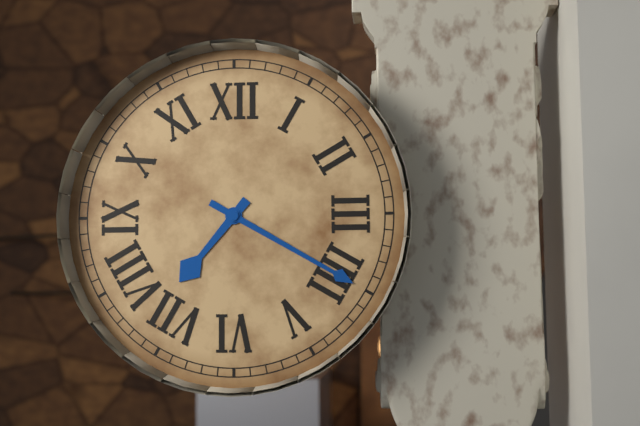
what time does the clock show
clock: 7:20
